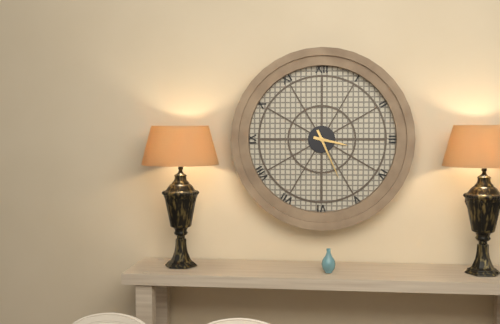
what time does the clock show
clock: 3:26
